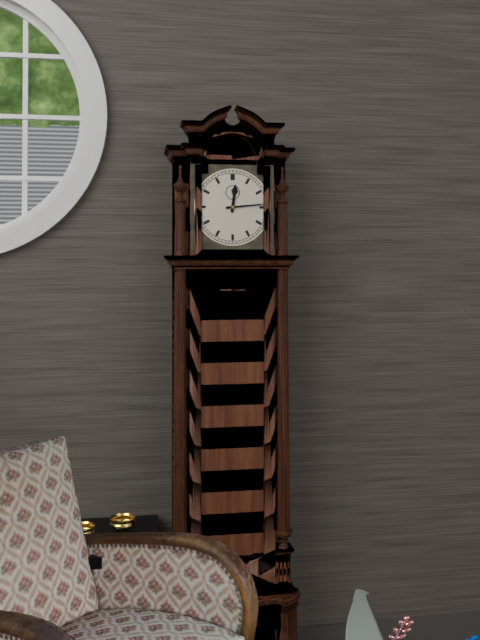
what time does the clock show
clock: 12:14
